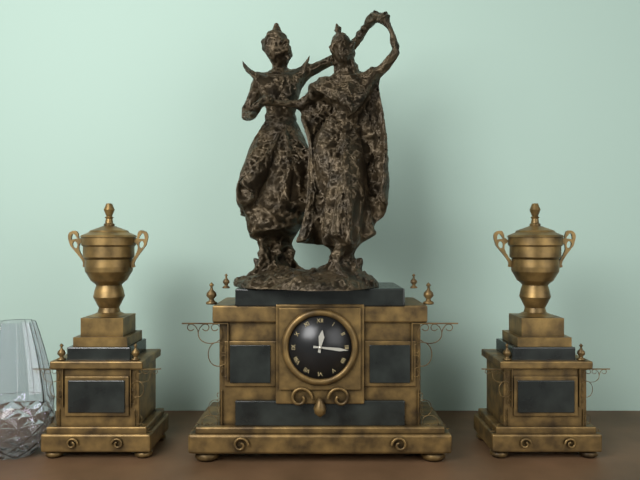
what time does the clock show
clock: 12:16
